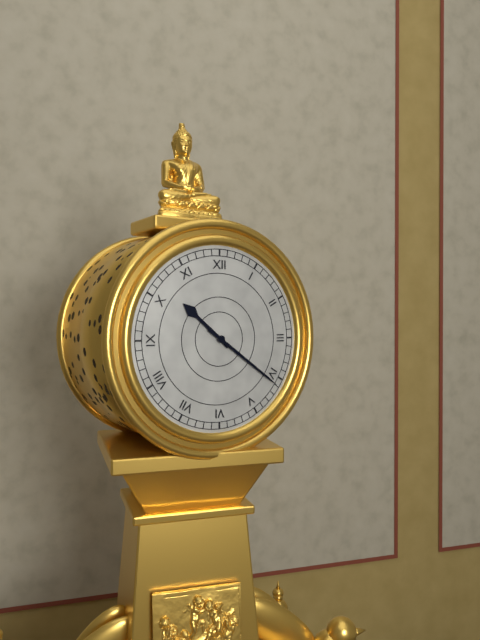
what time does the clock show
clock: 10:21
